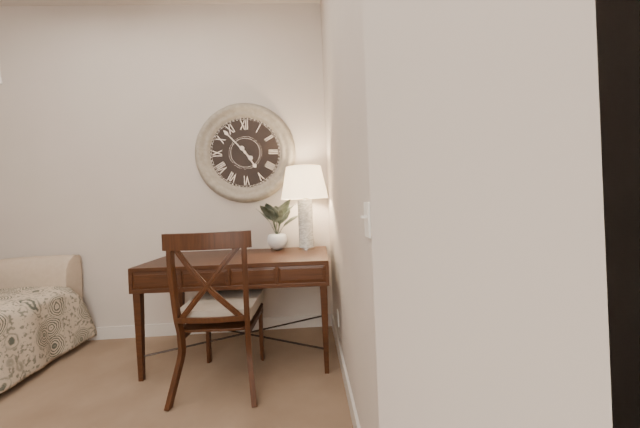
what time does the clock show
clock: 4:53
